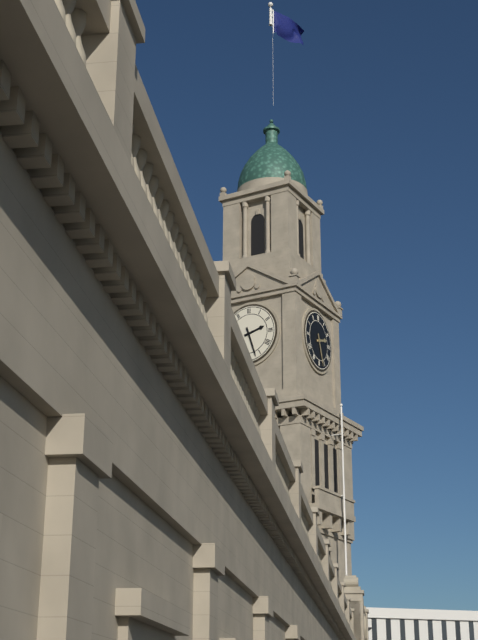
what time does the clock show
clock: 2:27
